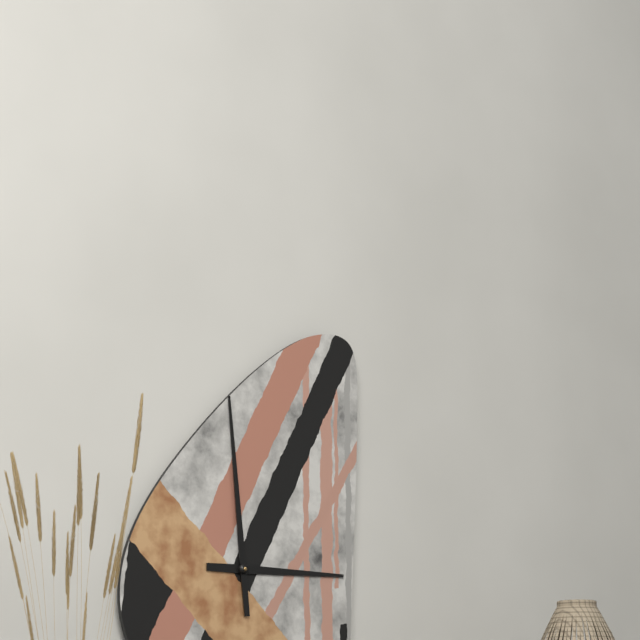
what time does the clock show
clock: 2:59
